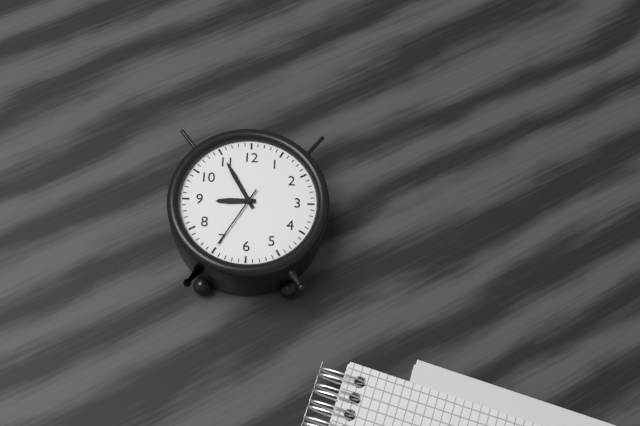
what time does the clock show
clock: 8:55:35
